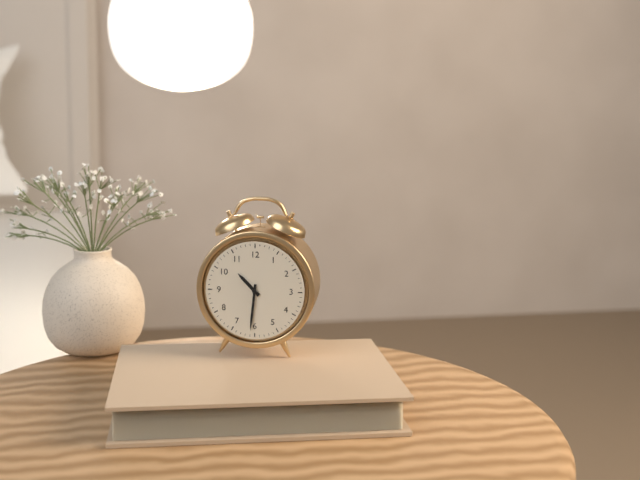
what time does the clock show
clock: 10:31
